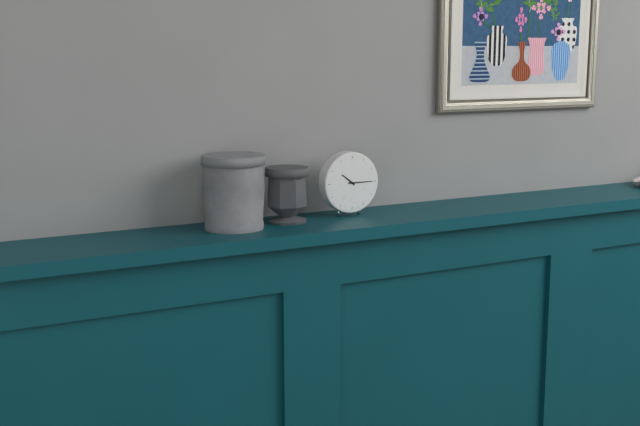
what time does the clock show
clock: 10:15
